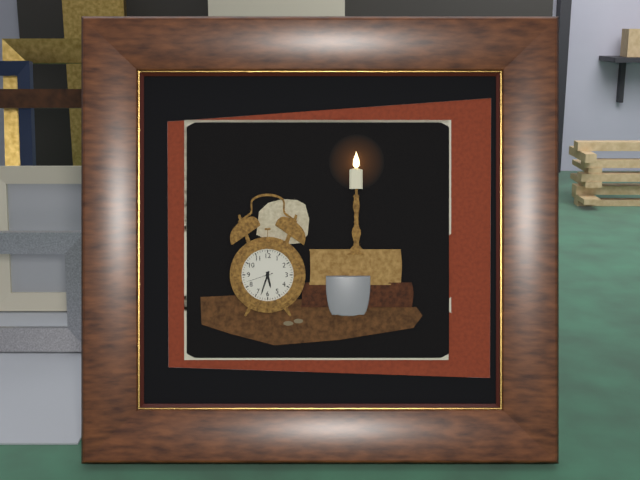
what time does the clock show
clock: 5:33
